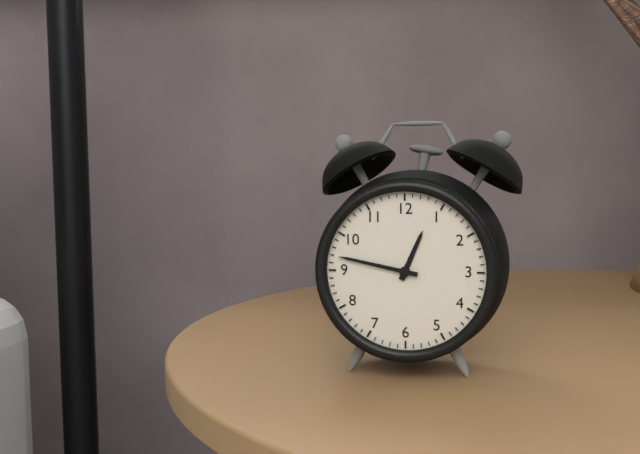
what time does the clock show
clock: 12:47
